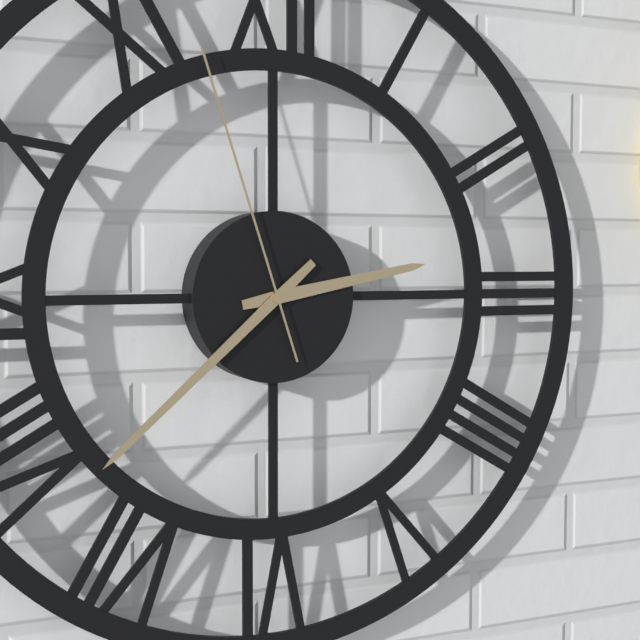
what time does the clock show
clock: 2:38:57
